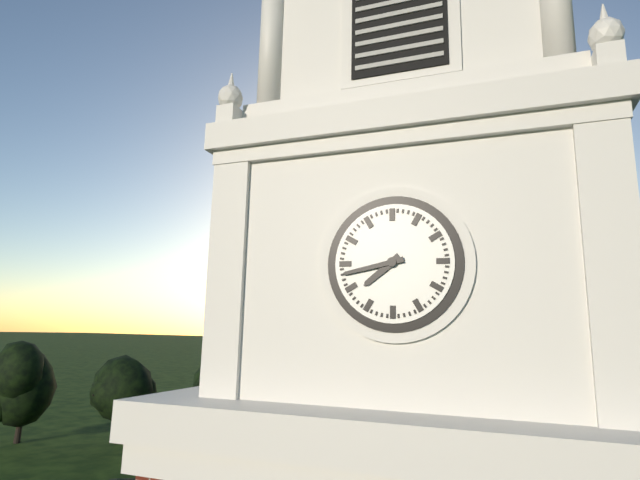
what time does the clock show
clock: 7:43
